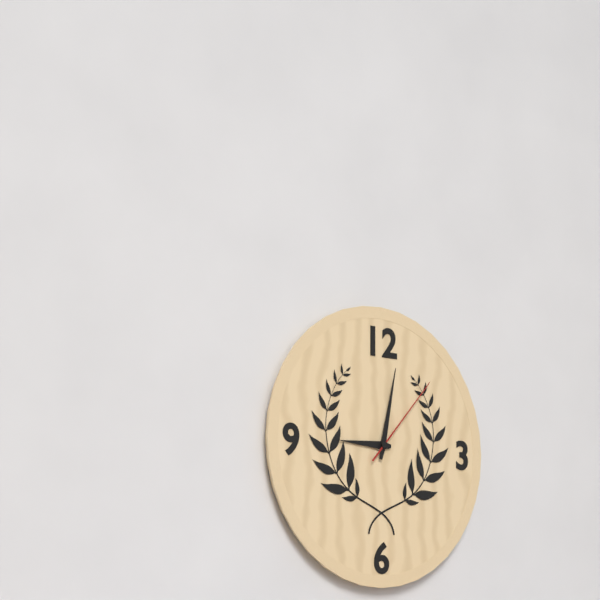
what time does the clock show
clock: 9:02:07
